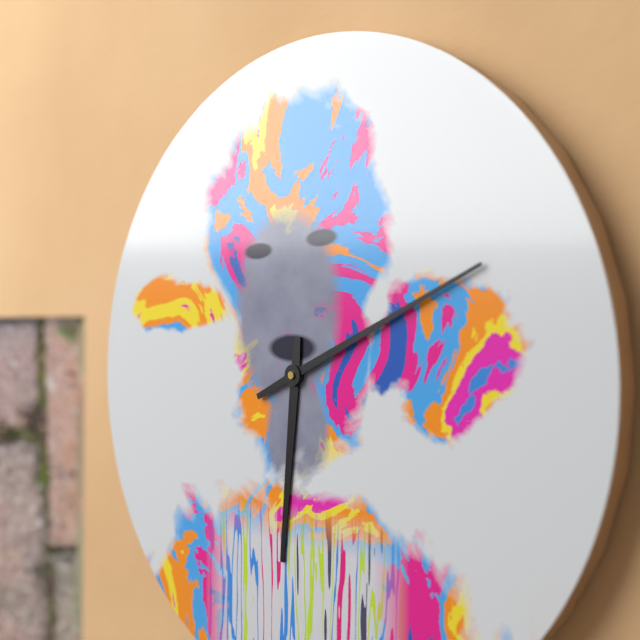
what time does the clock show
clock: 6:11
